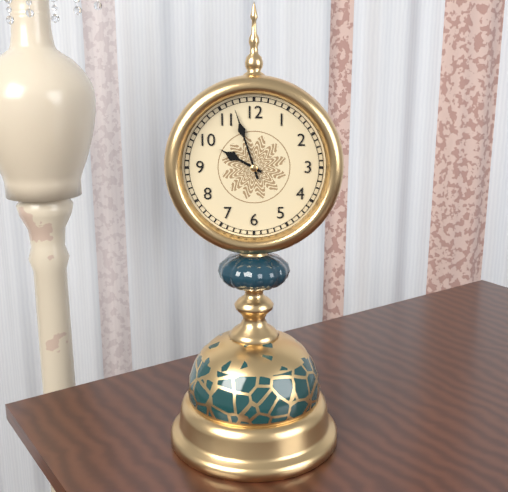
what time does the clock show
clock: 9:57
